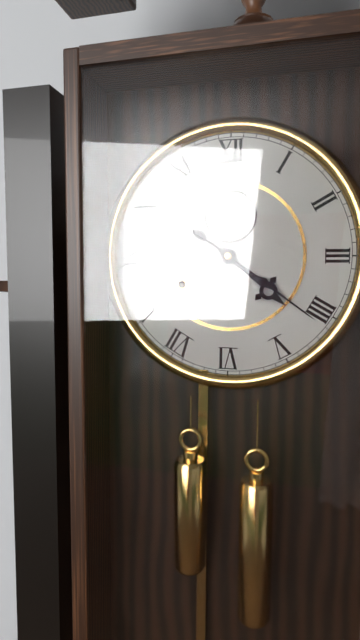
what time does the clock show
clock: 4:21
